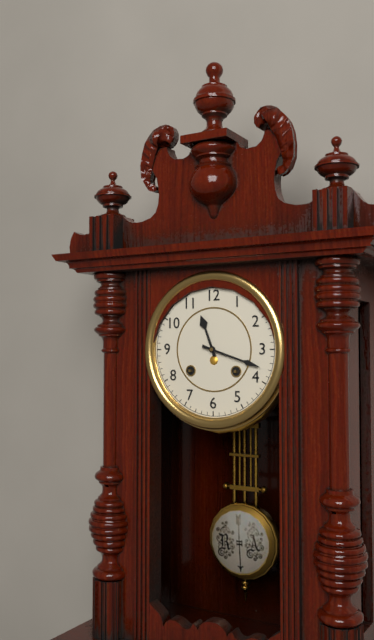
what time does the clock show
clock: 11:18
